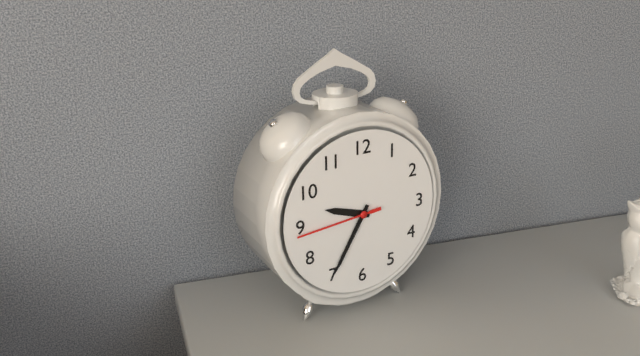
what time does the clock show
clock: 9:35:44
